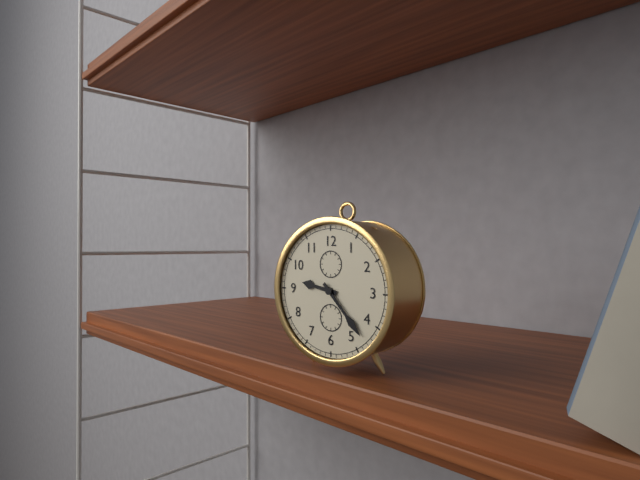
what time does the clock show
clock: 9:23
